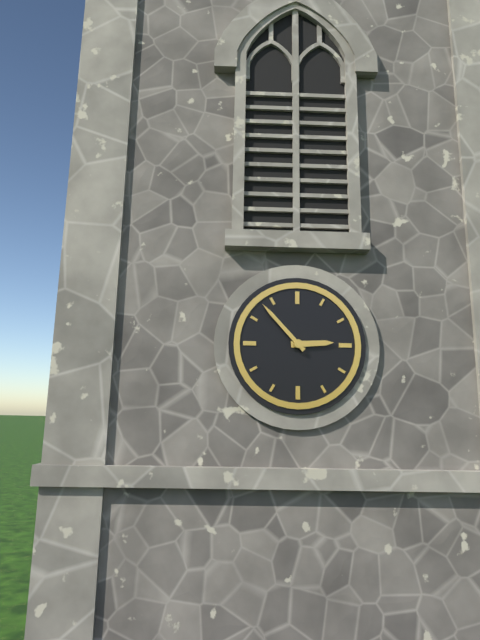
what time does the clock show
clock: 2:53
